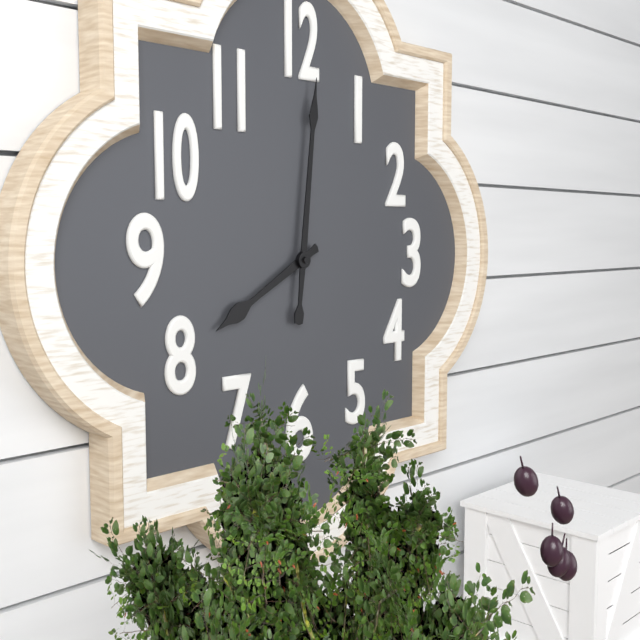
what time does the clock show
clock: 8:01
